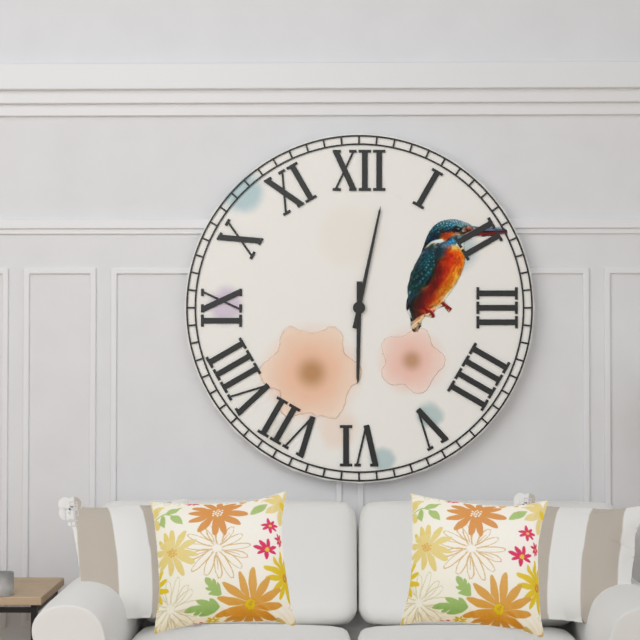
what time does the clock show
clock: 6:02
